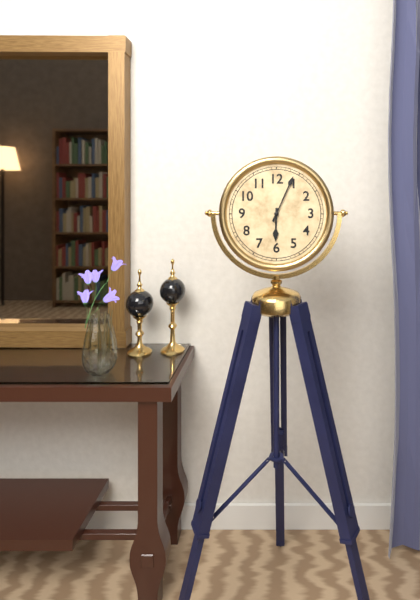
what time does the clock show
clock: 6:04
